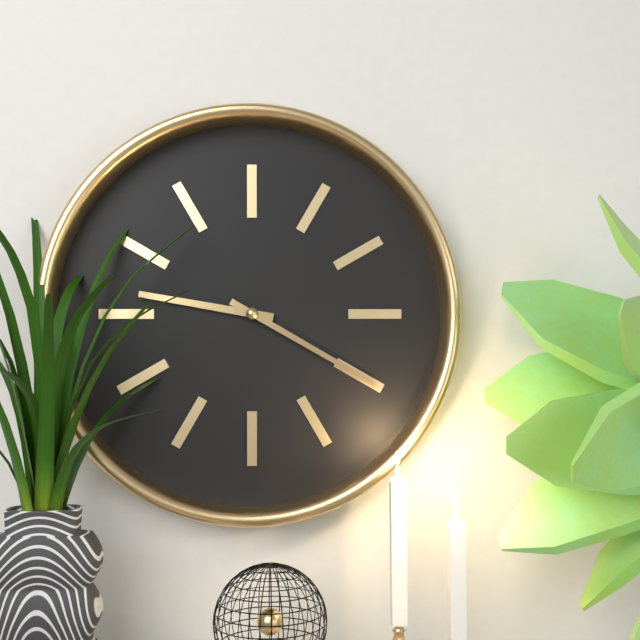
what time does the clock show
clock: 9:20
